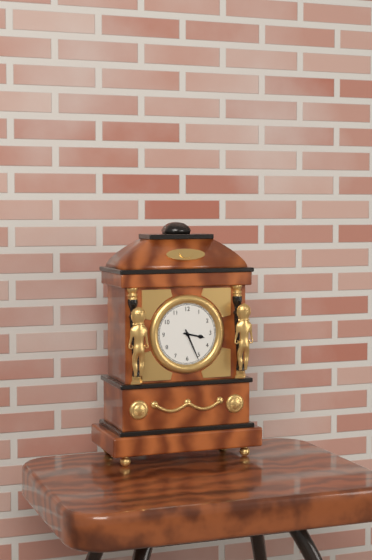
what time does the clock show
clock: 3:26
